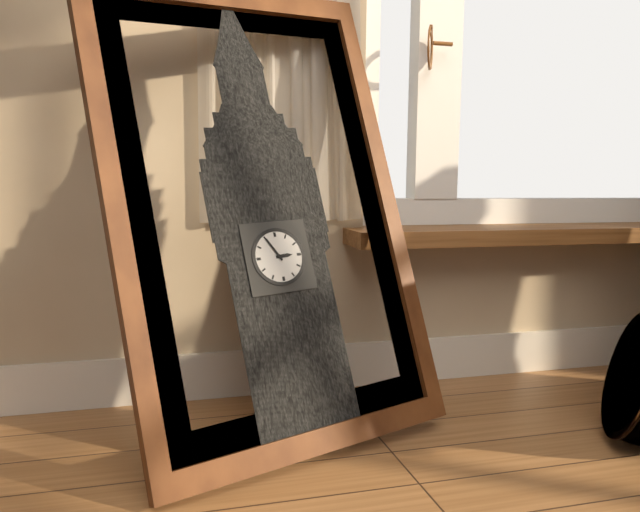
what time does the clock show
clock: 2:55
